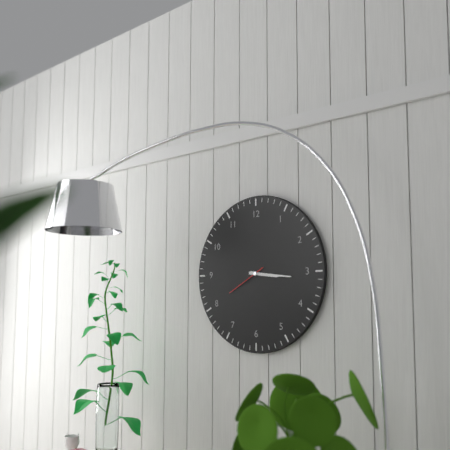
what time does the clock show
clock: 3:16
